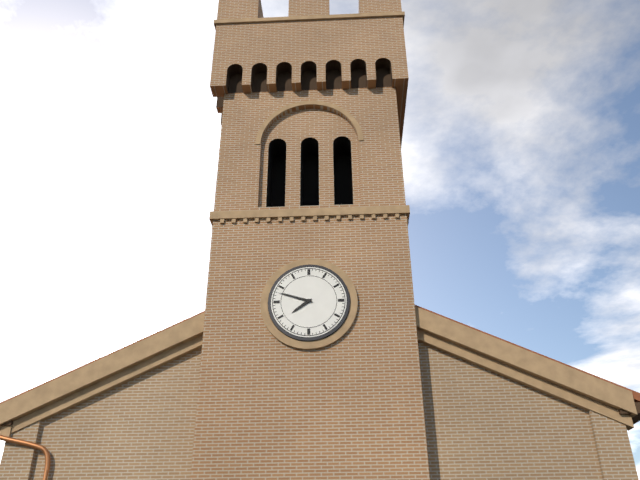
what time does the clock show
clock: 7:48
